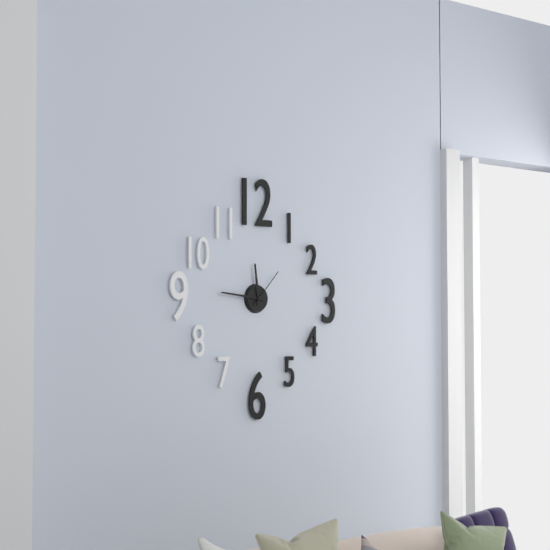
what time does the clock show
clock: 11:46
